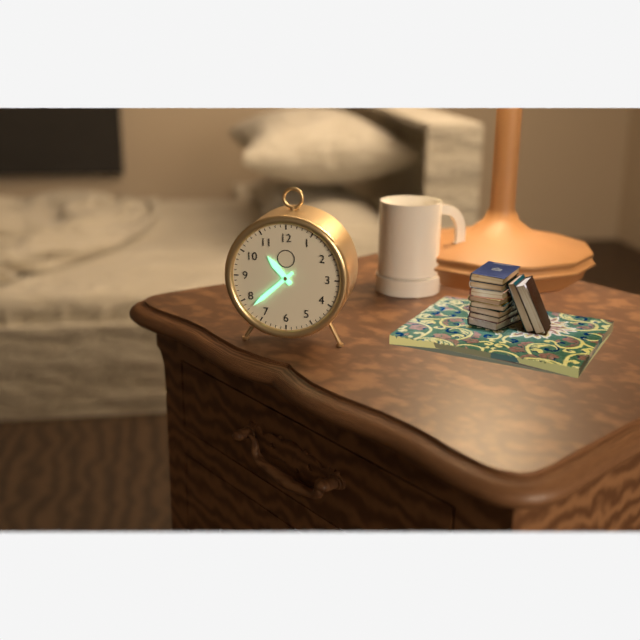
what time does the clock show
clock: 10:38
